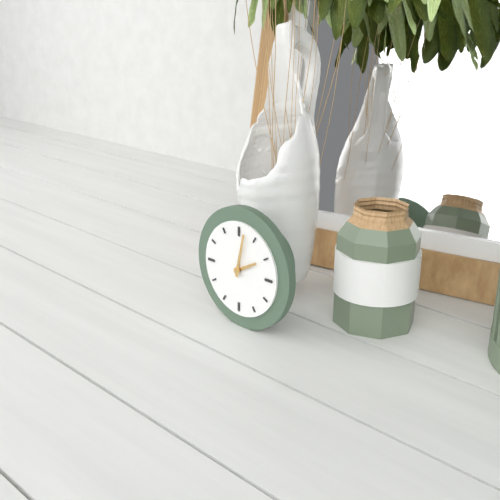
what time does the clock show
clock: 2:02
